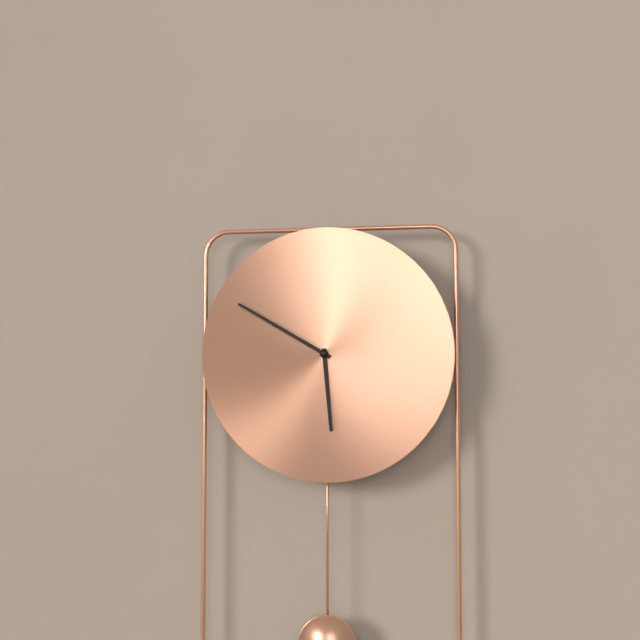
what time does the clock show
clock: 5:50
